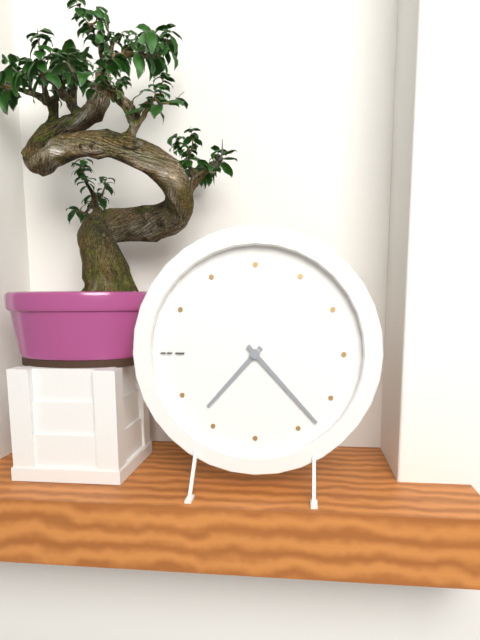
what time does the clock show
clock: 7:23
